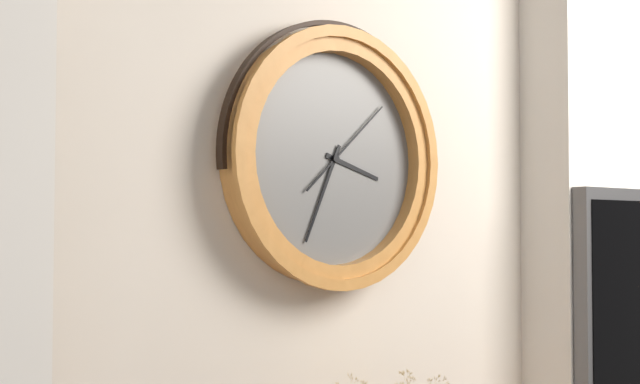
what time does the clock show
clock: 3:34:08
